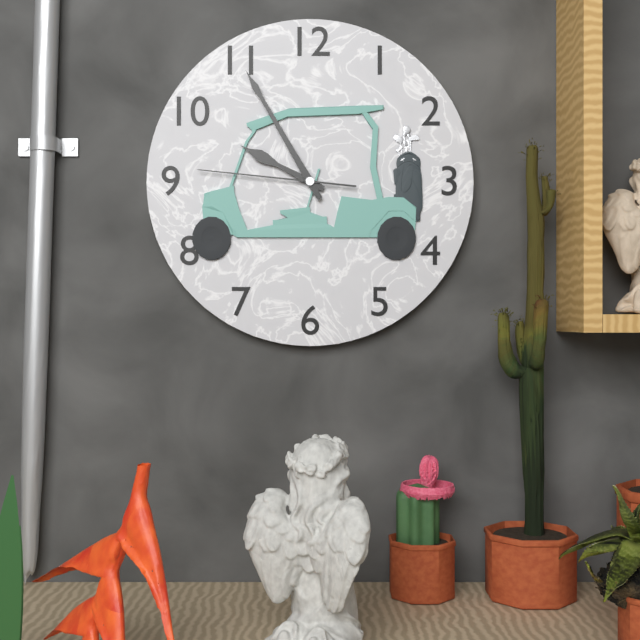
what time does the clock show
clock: 9:55:46
